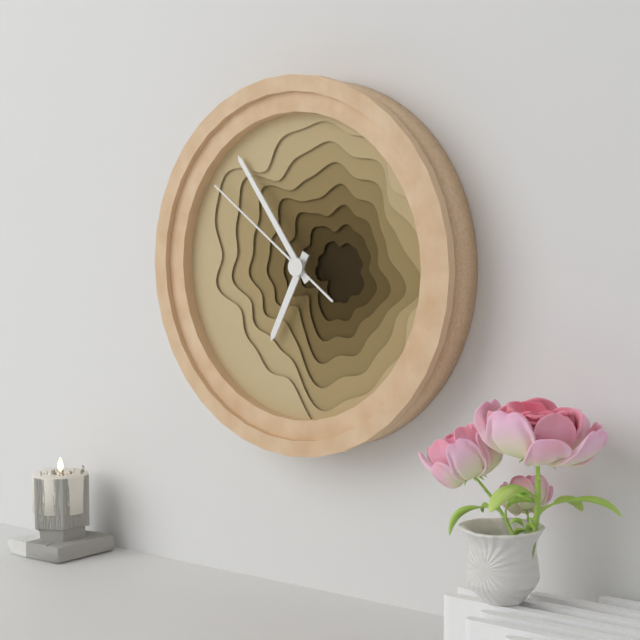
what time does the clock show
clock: 6:54:51
